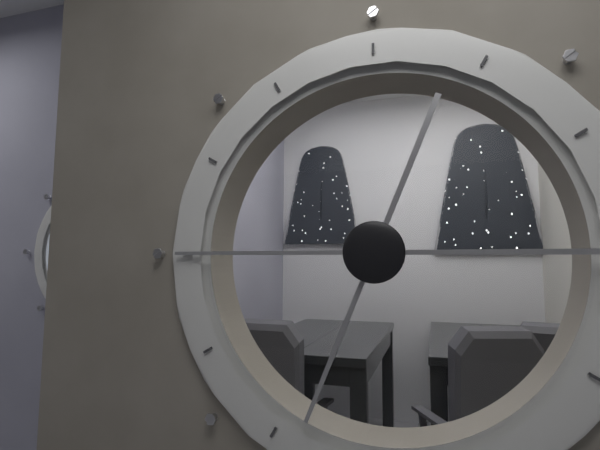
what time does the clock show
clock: 6:45
